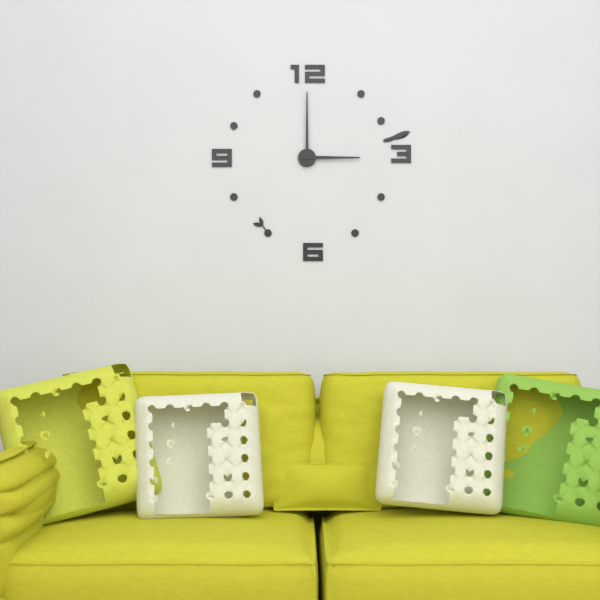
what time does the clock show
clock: 3:00
